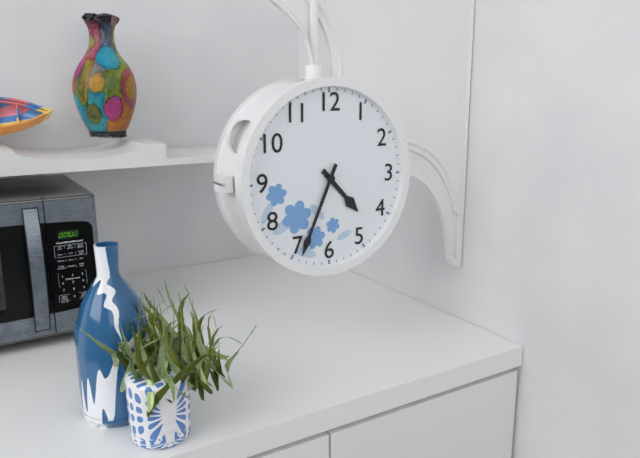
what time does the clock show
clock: 4:34
